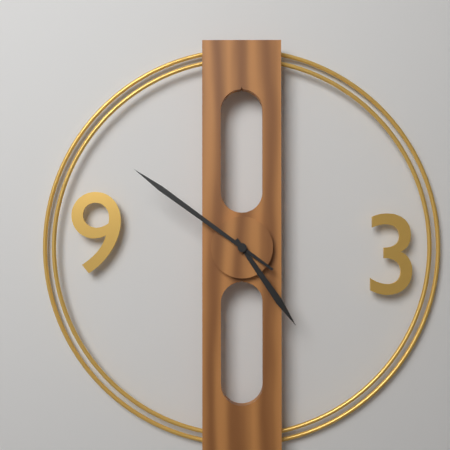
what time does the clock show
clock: 4:51
